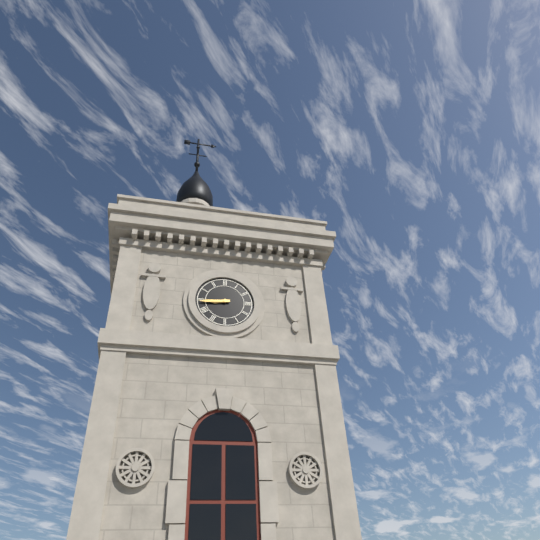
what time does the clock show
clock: 8:44
